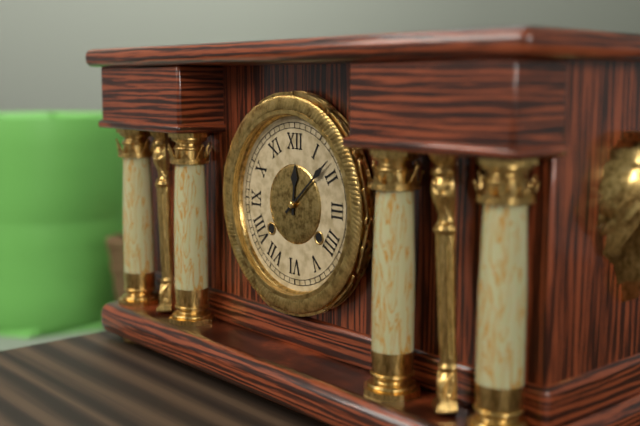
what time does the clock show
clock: 12:08
